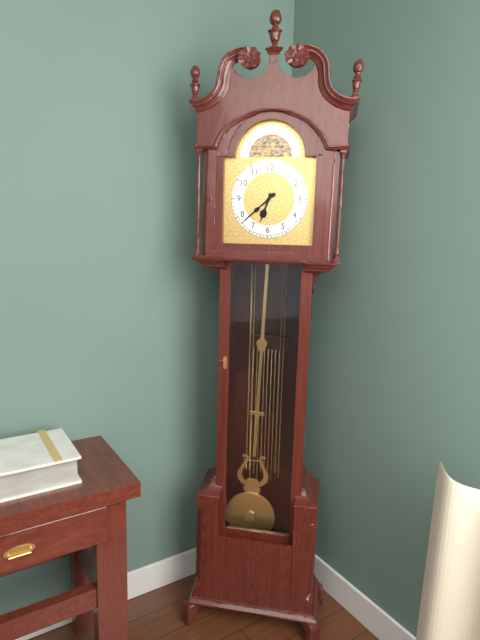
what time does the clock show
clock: 6:38
